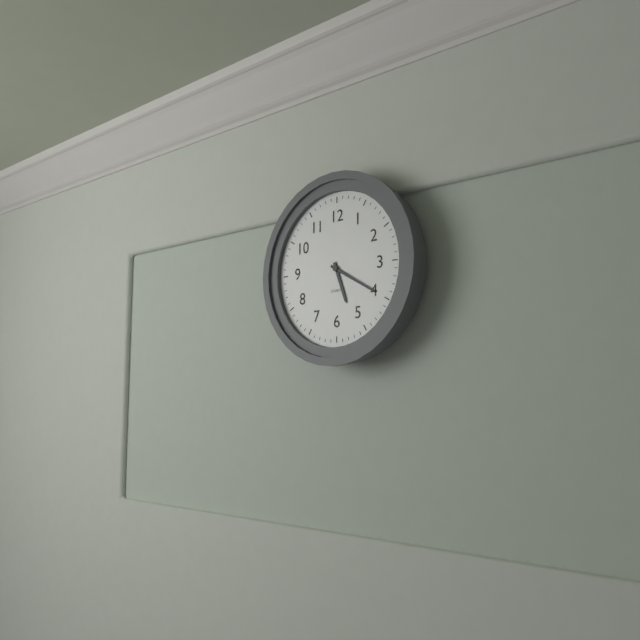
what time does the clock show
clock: 5:20
